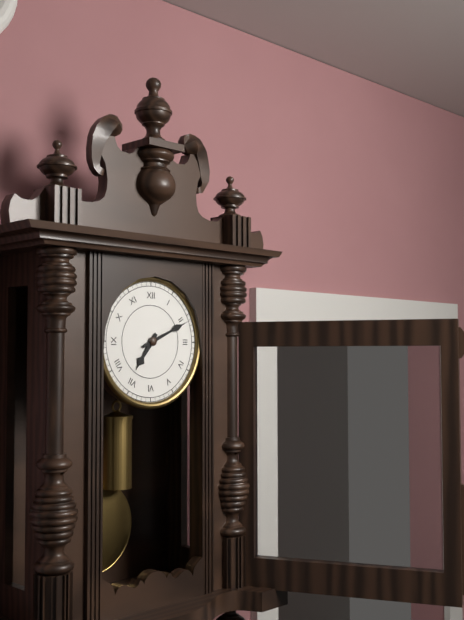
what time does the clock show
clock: 7:11
